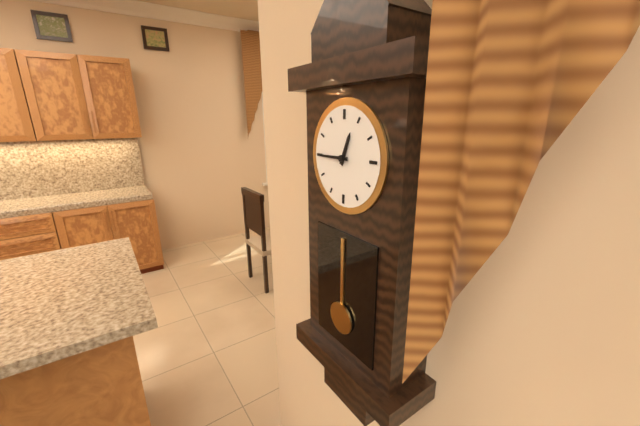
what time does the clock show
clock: 12:45
